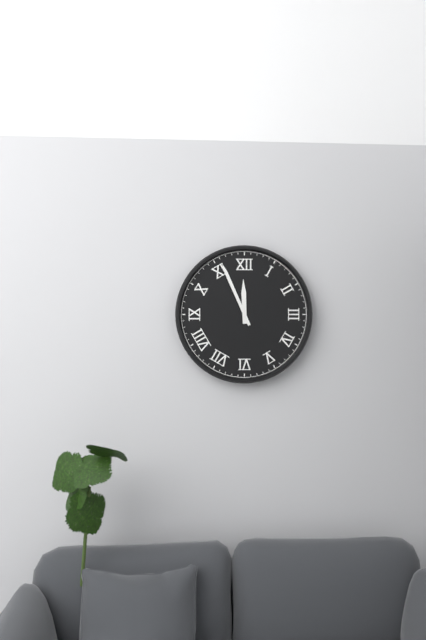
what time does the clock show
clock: 11:56
